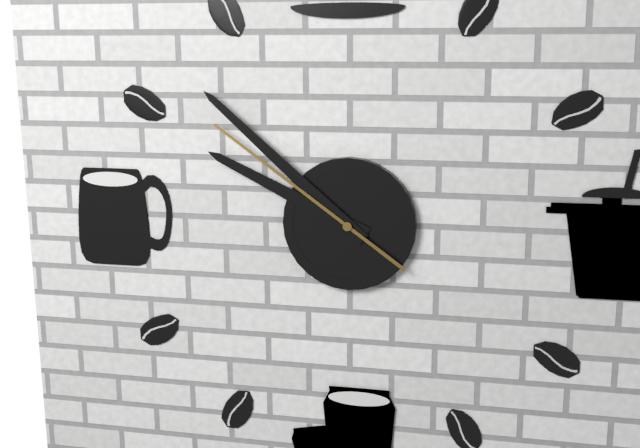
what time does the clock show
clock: 9:52:51
